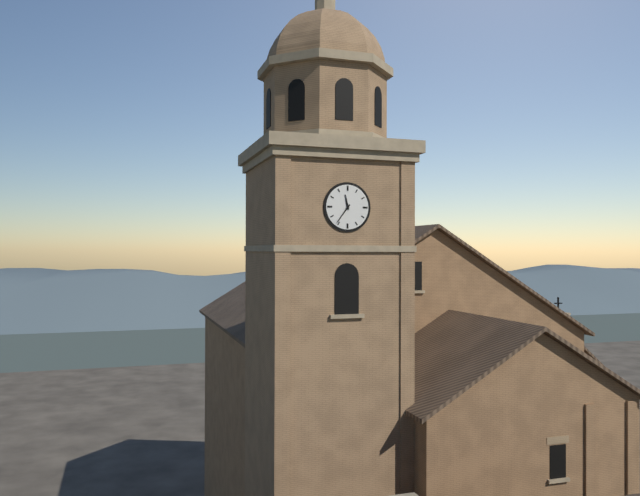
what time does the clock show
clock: 11:36
